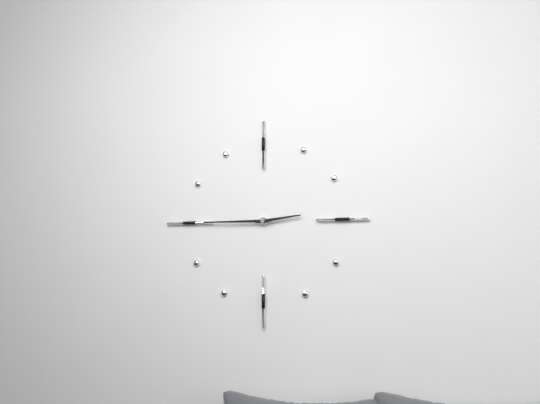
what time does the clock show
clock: 2:45
